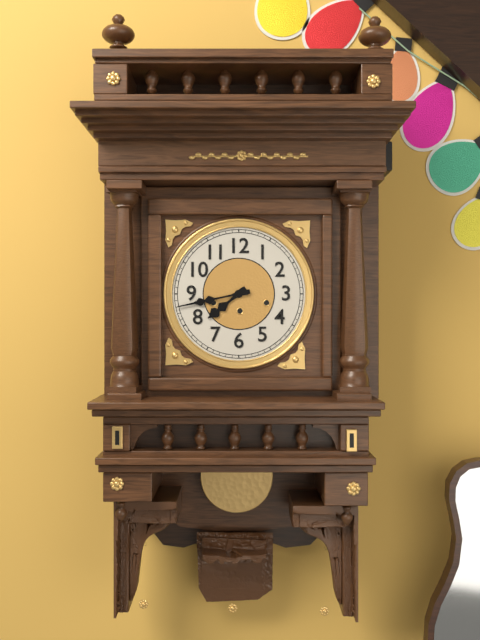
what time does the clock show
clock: 7:43
